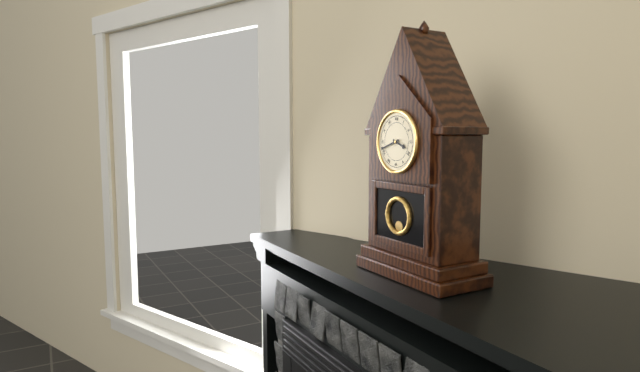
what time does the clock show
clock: 3:42
